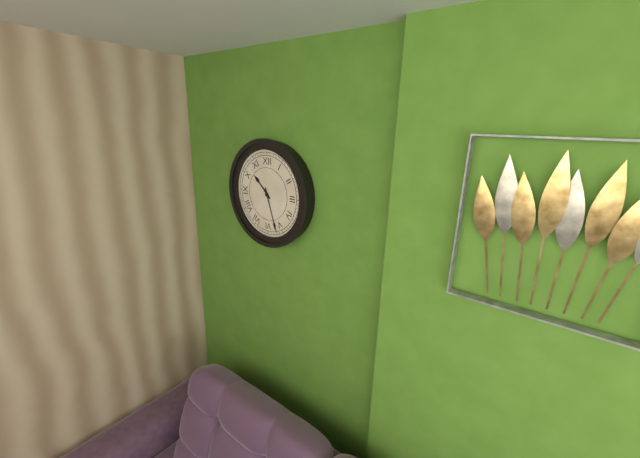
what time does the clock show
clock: 10:27
